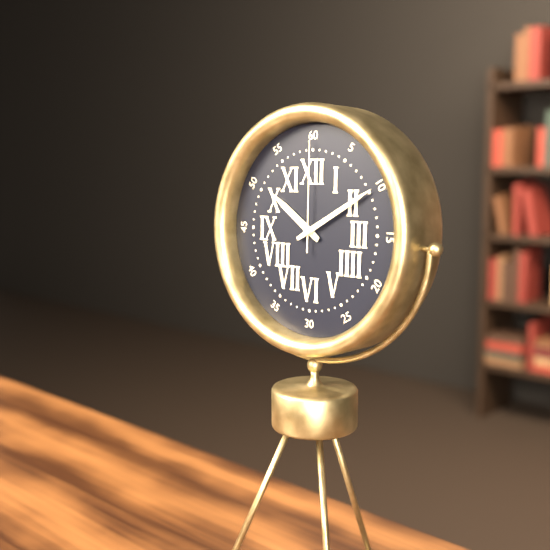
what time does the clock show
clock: 10:10:00
